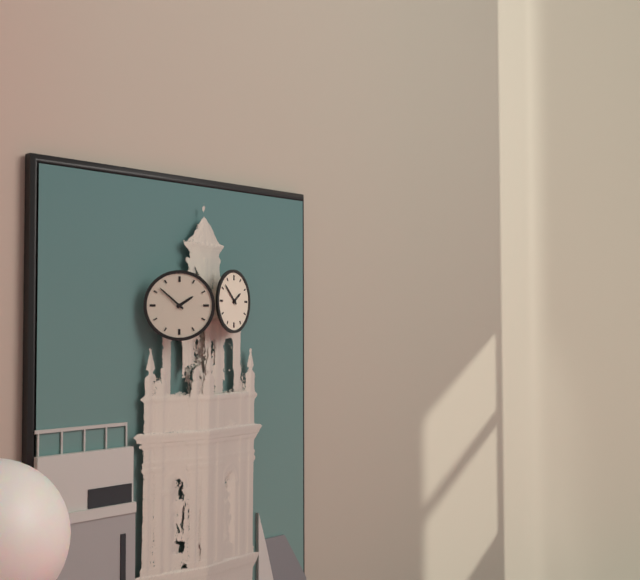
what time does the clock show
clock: 1:52
